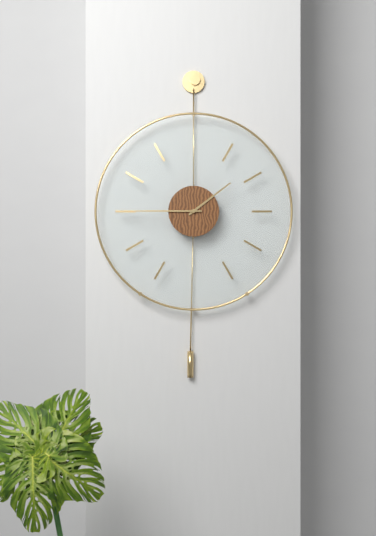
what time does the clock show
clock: 1:45
